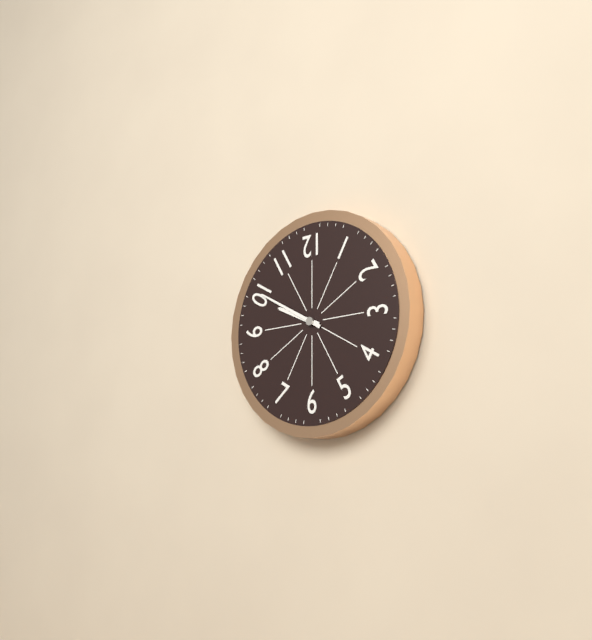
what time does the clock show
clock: 9:50
